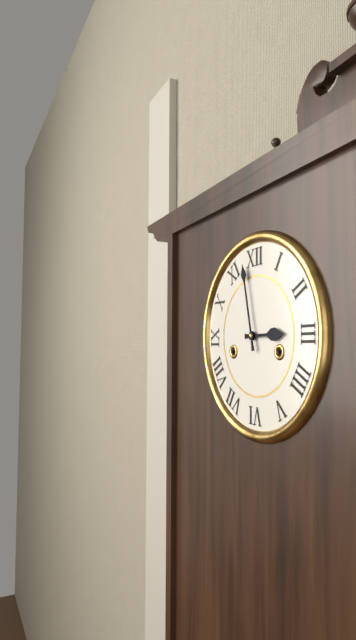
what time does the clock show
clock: 2:58
